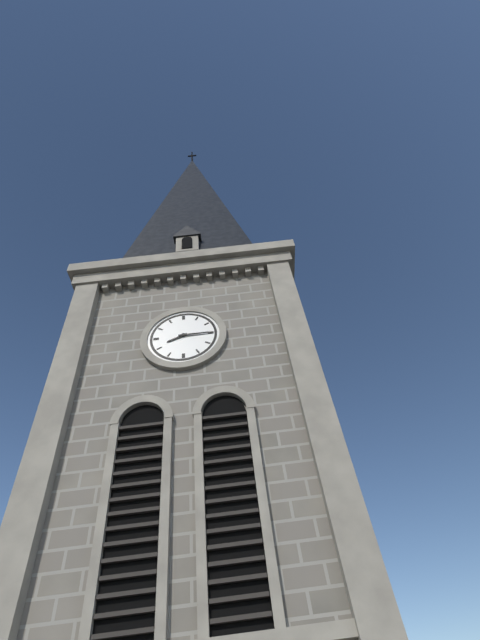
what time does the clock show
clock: 8:15
